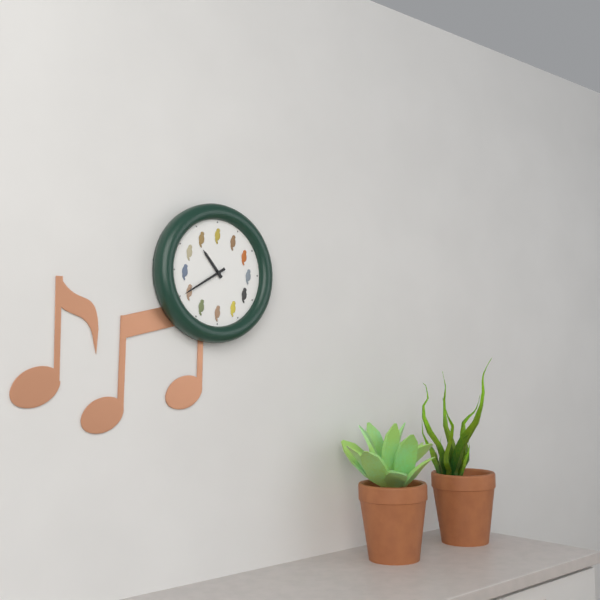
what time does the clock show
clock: 10:40
